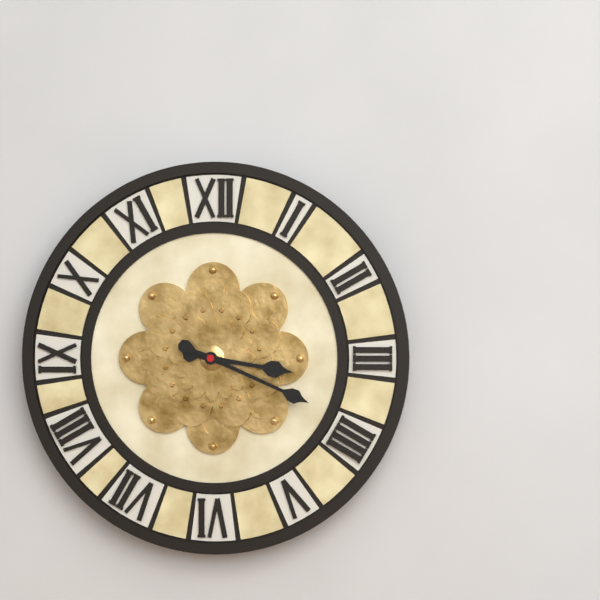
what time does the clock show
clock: 3:19
